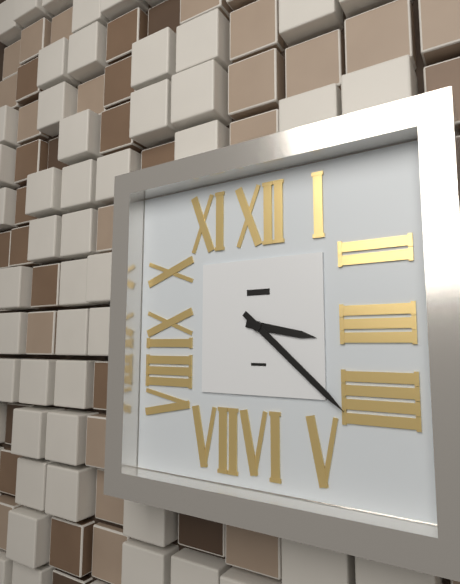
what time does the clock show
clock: 3:22
